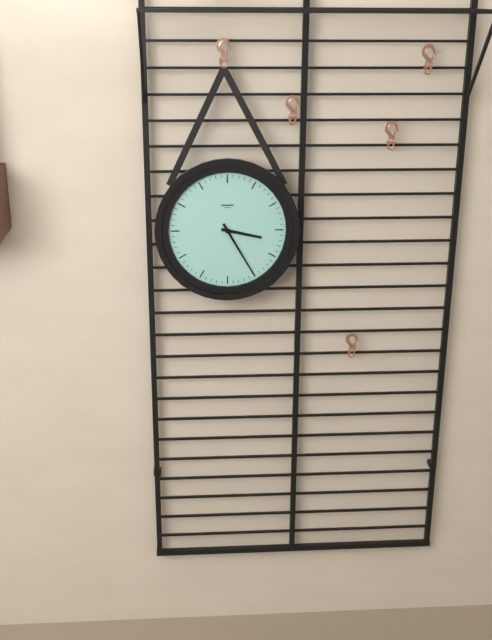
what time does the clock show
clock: 3:25
